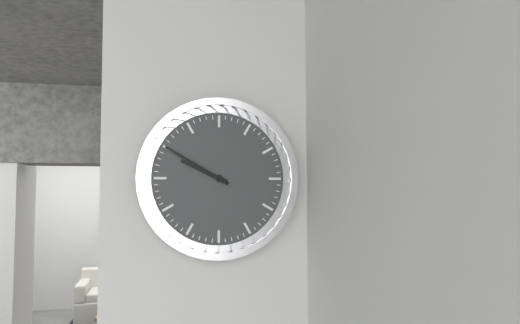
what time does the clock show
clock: 9:50
